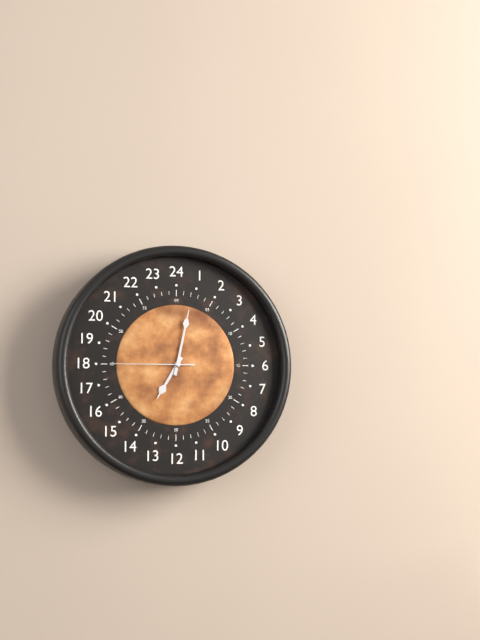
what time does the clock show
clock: 7:02:45
